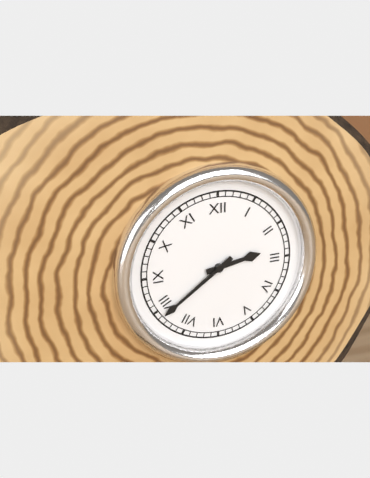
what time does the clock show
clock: 2:39
